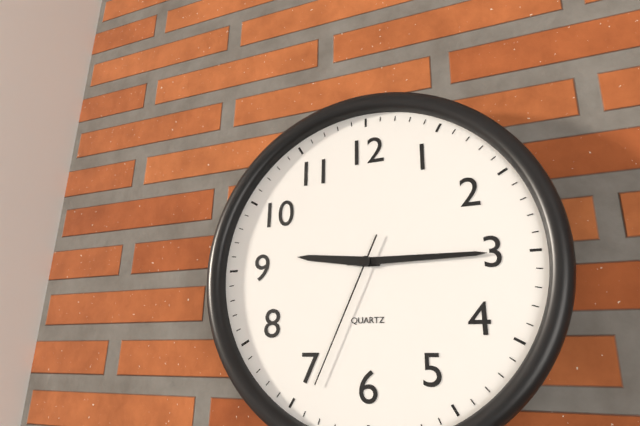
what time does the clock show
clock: 9:15:34
